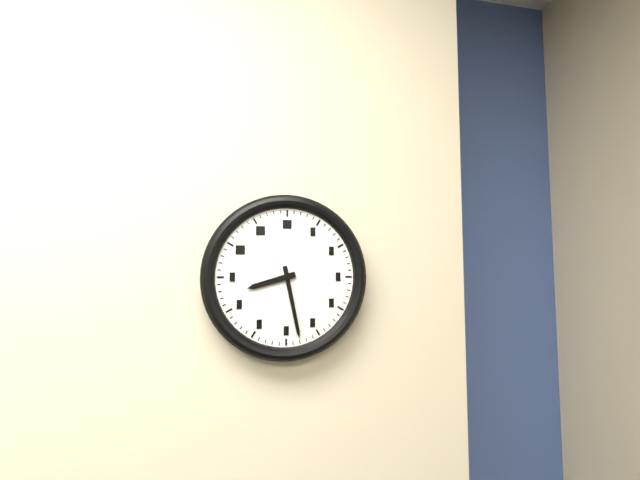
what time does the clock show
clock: 8:28
